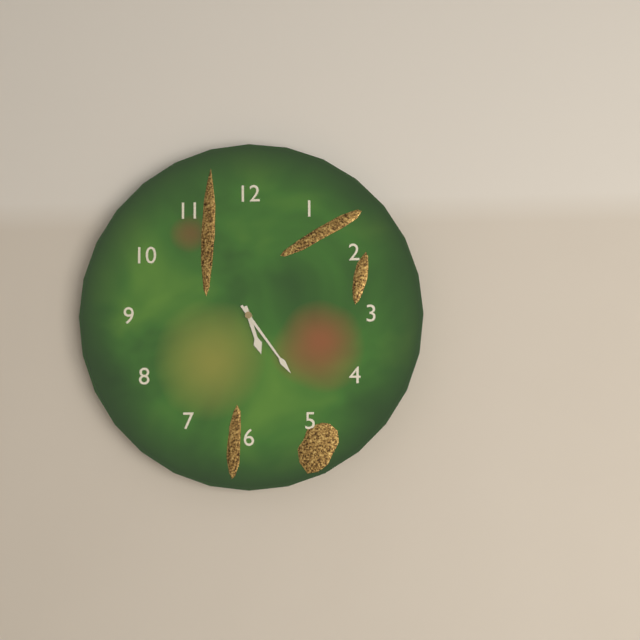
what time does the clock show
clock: 5:24
